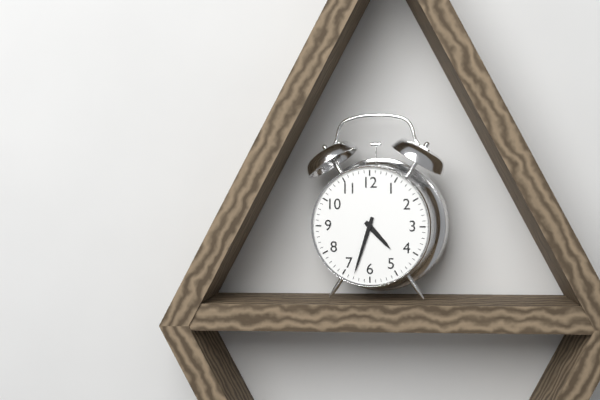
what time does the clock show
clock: 4:33
